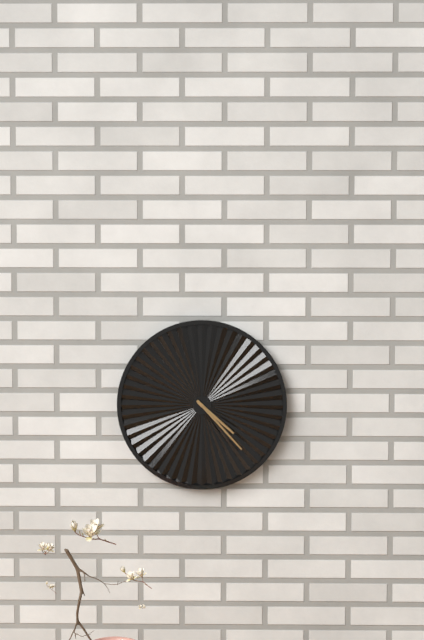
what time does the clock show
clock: 4:23
